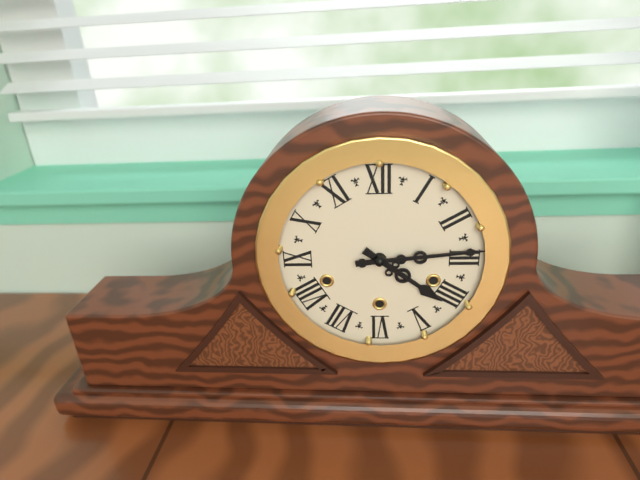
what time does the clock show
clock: 4:14
